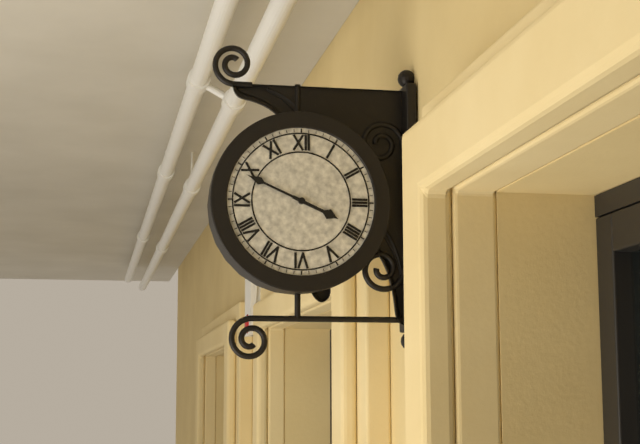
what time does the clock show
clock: 3:49
